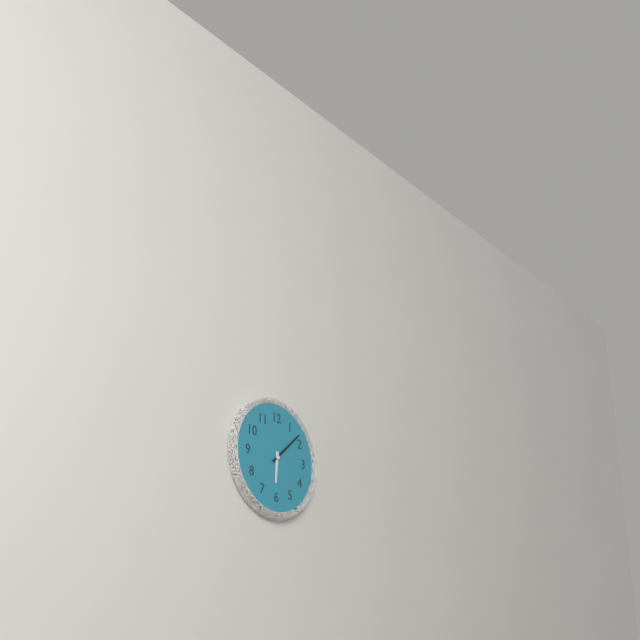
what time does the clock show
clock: 6:08
